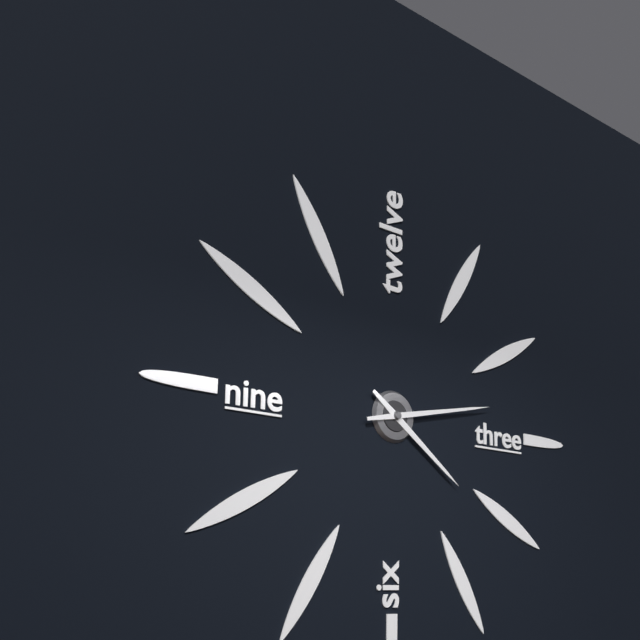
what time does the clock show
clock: 4:13
